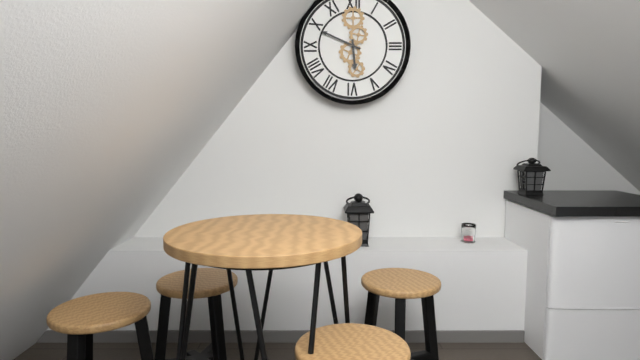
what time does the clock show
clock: 5:49
